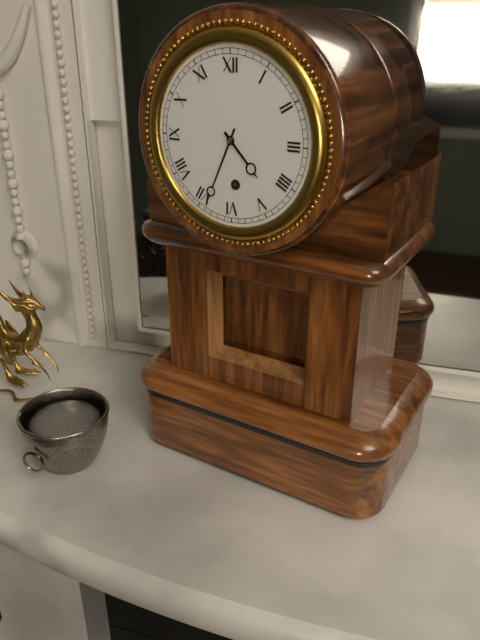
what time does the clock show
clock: 4:34
